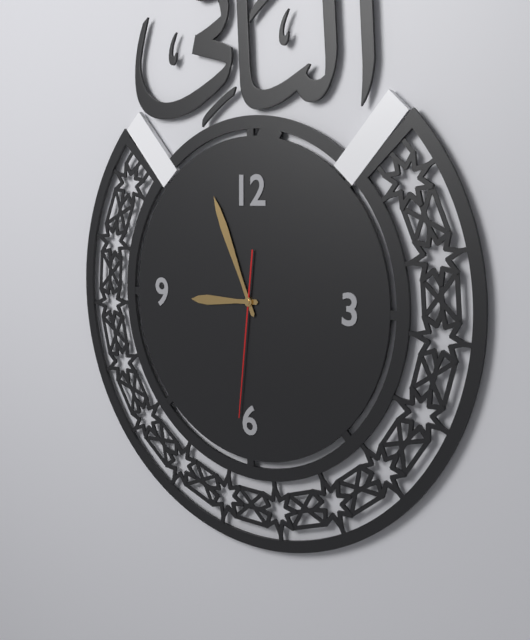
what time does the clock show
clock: 8:56:31
